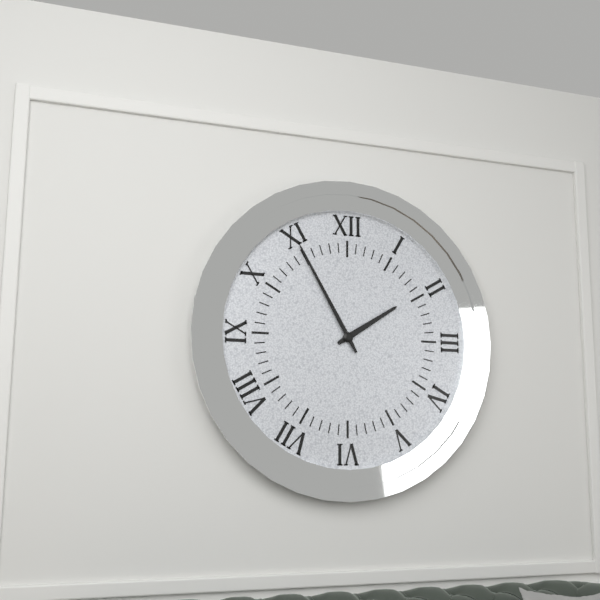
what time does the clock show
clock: 1:55
